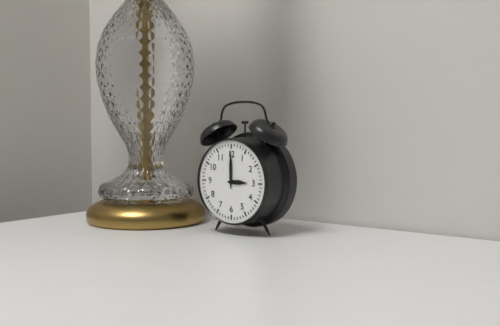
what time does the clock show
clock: 3:00
